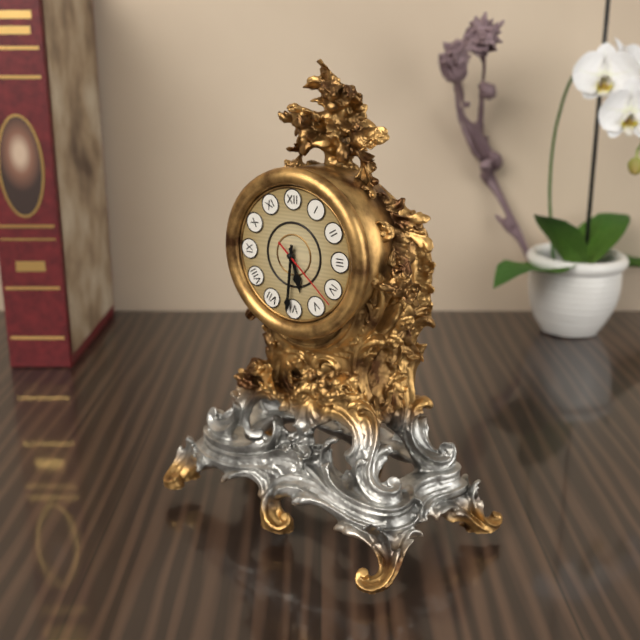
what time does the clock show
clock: 5:31:22
